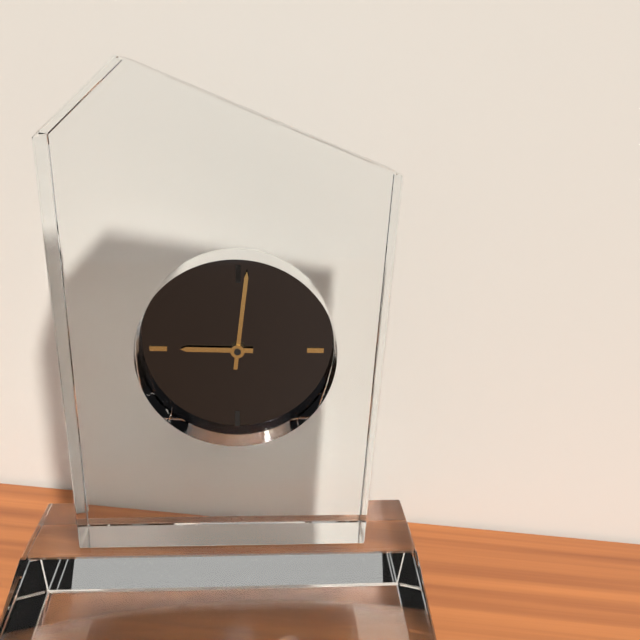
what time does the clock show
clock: 9:01
